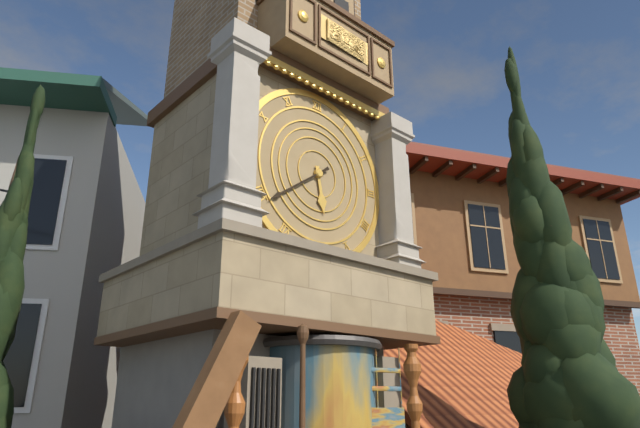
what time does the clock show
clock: 5:39
